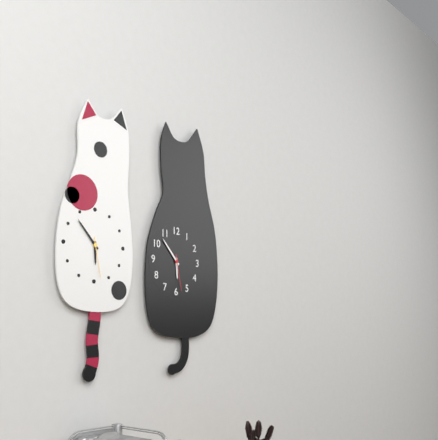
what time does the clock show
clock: 5:53
